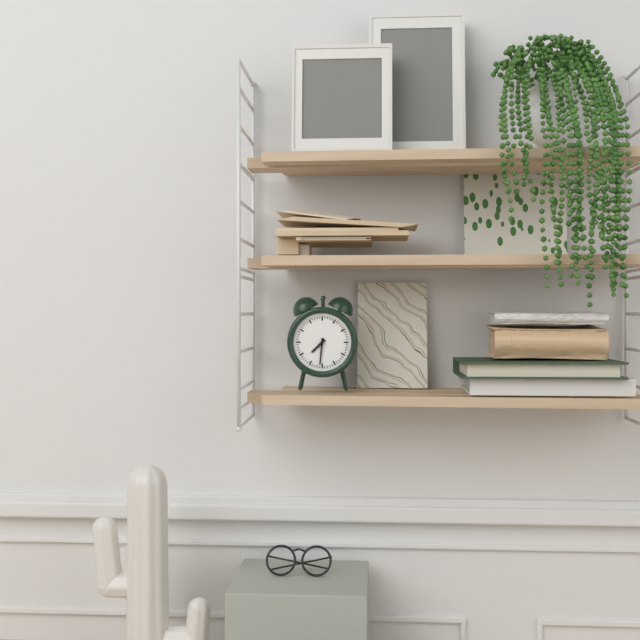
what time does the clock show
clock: 7:31
